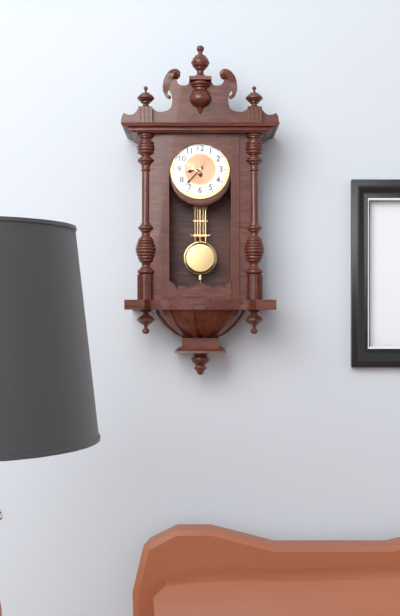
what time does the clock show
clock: 8:37
